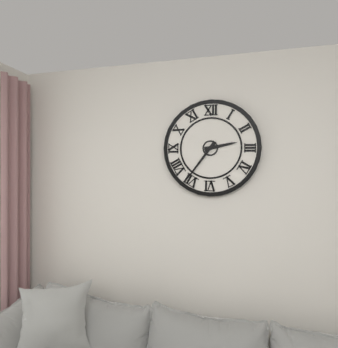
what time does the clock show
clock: 2:36
